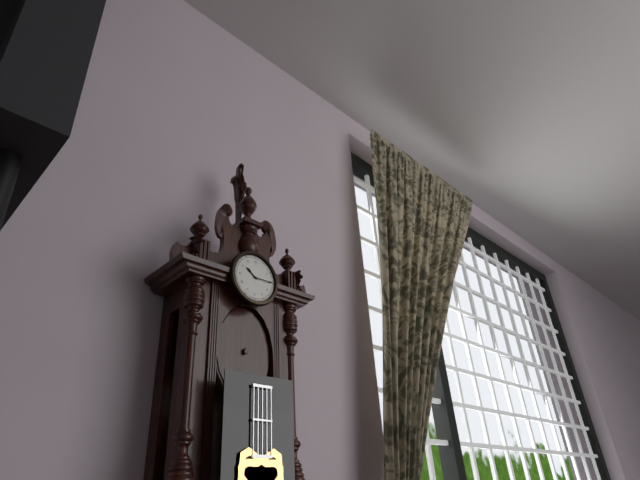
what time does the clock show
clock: 10:15
